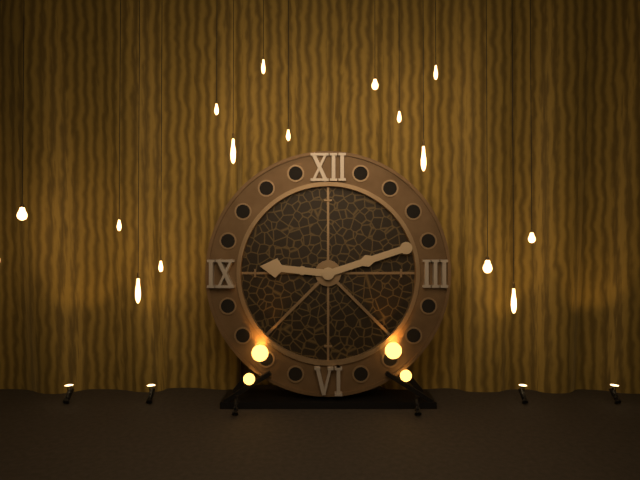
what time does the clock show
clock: 9:12
